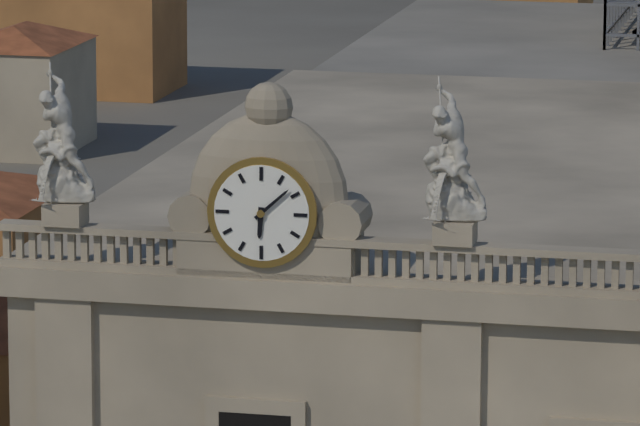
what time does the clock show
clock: 6:08
